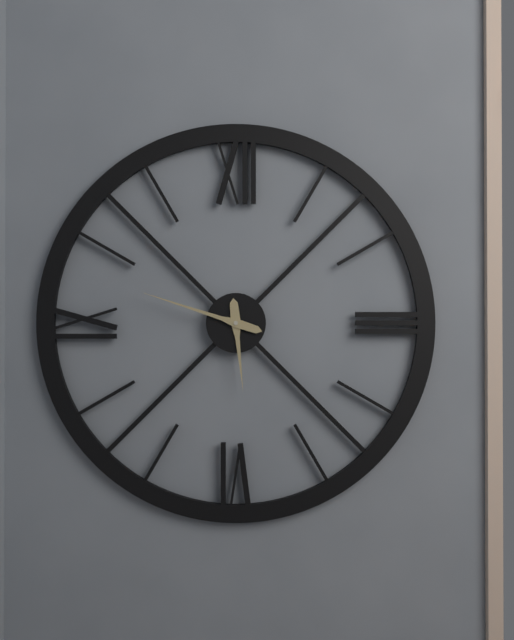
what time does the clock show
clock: 5:48
